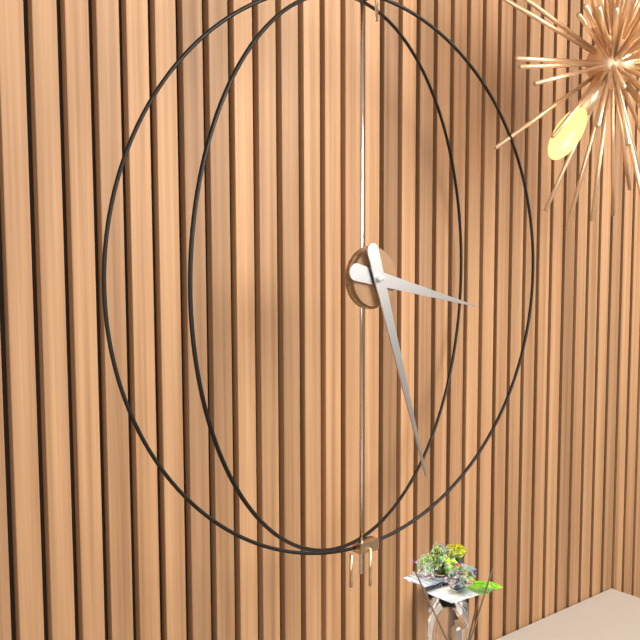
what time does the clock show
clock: 3:27
